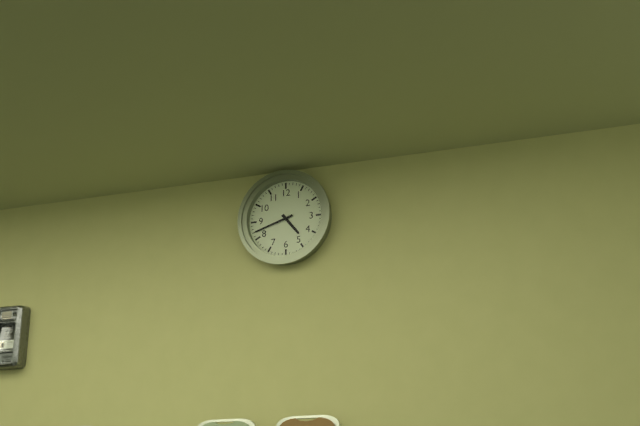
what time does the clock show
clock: 4:42
